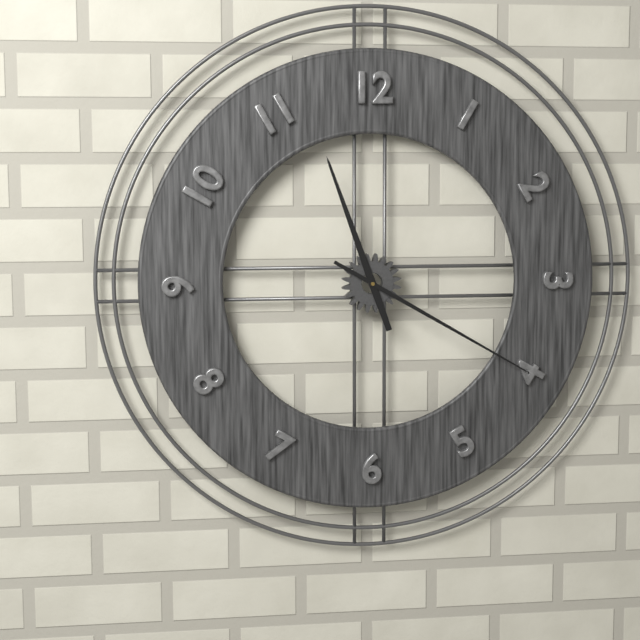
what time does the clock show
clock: 11:20
